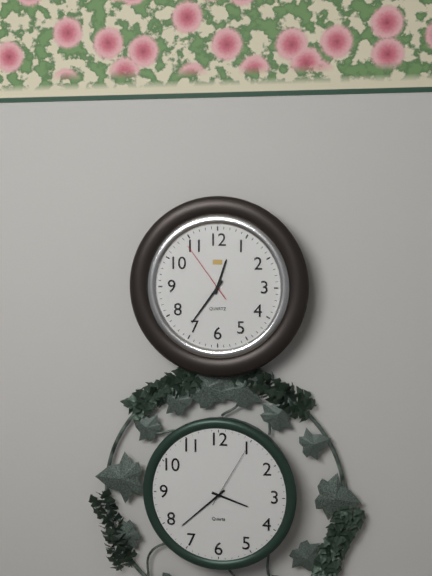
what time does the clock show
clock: 12:36:54
